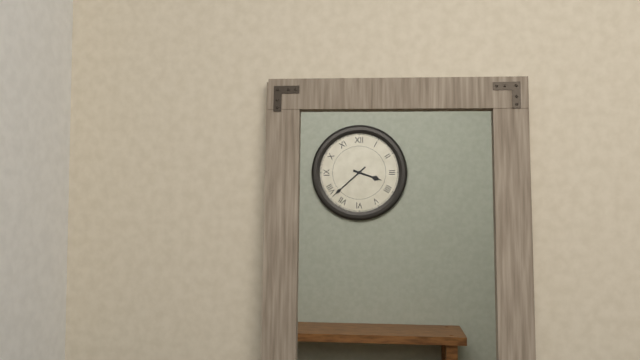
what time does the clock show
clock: 3:38
